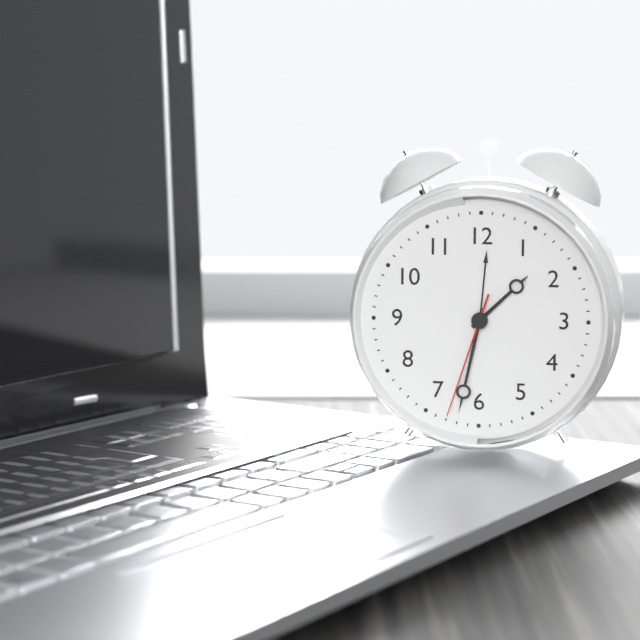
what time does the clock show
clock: 1:32:33
